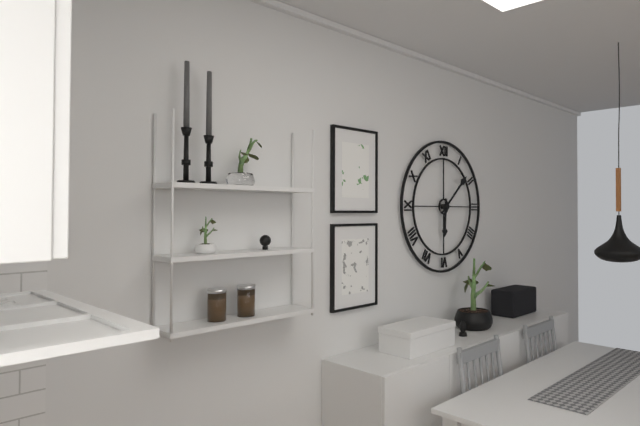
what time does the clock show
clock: 6:08
